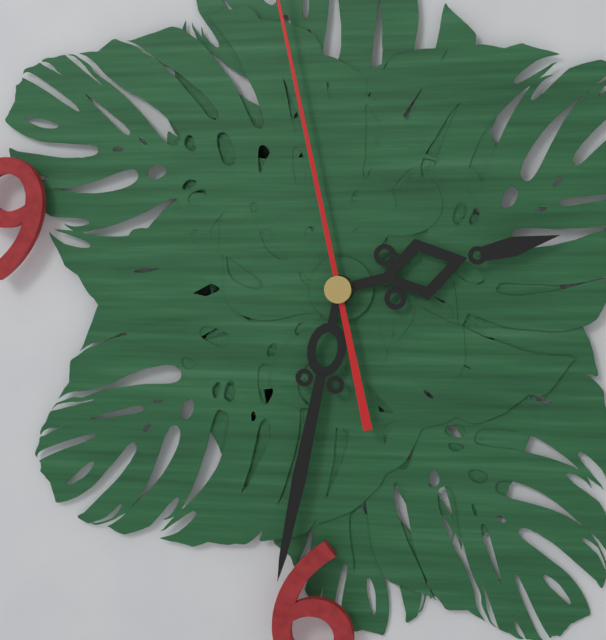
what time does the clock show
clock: 2:32
